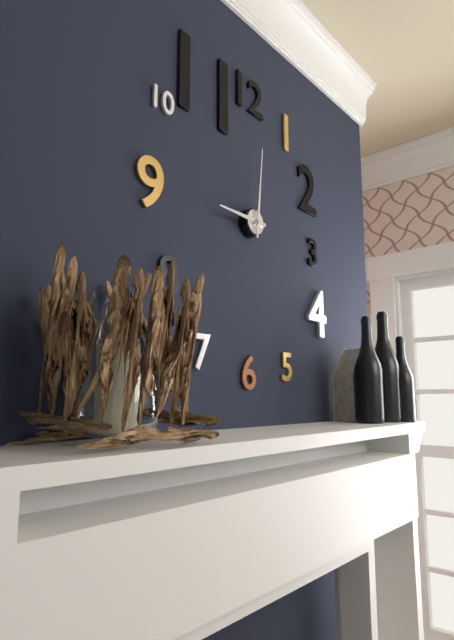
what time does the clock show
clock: 9:01
